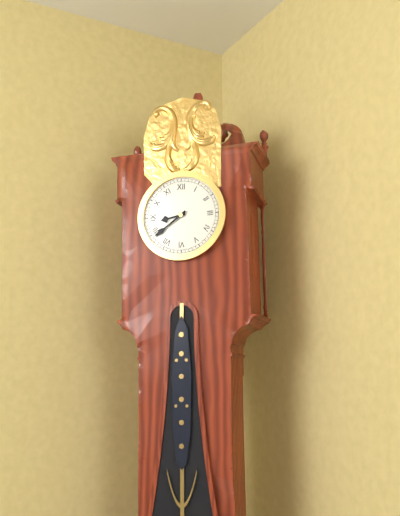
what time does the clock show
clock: 8:39
